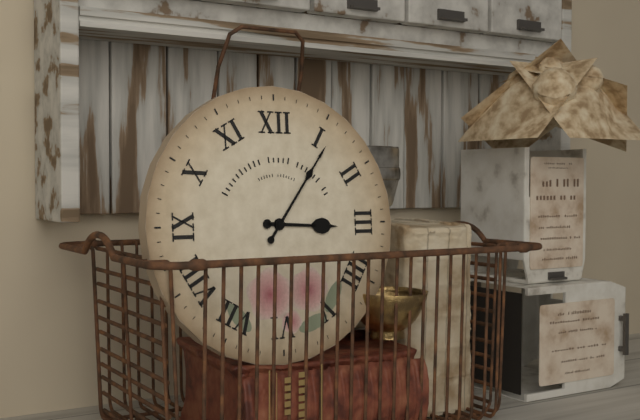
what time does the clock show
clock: 3:06
